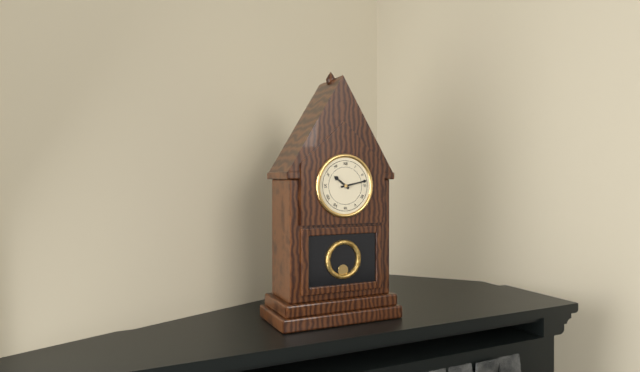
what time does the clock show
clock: 10:13
